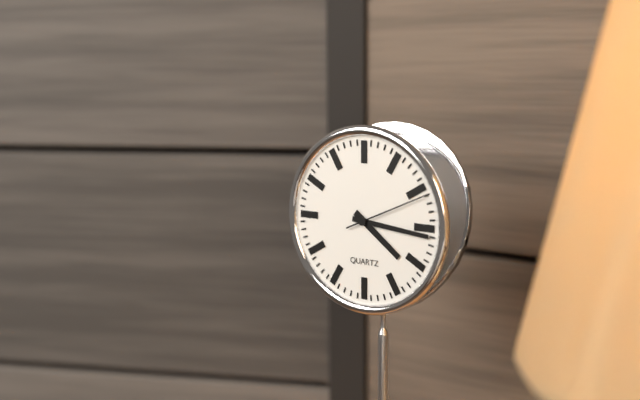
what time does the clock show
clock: 4:16:11
